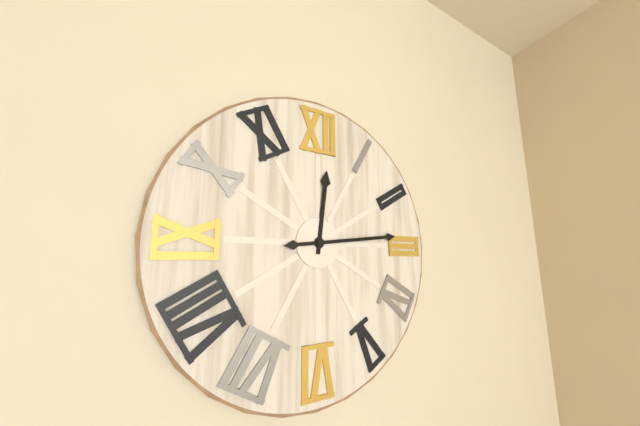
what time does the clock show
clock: 12:14
